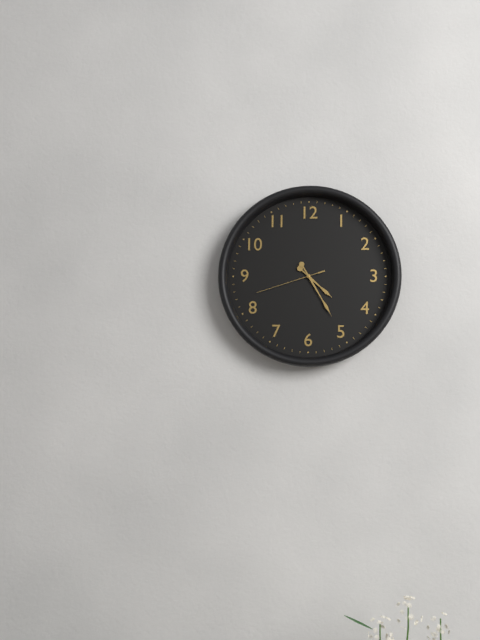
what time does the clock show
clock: 4:25:42
